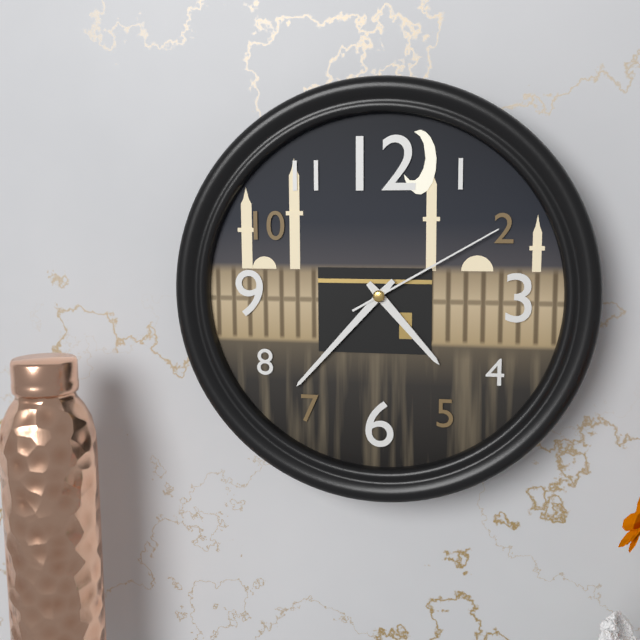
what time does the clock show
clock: 4:37:10
